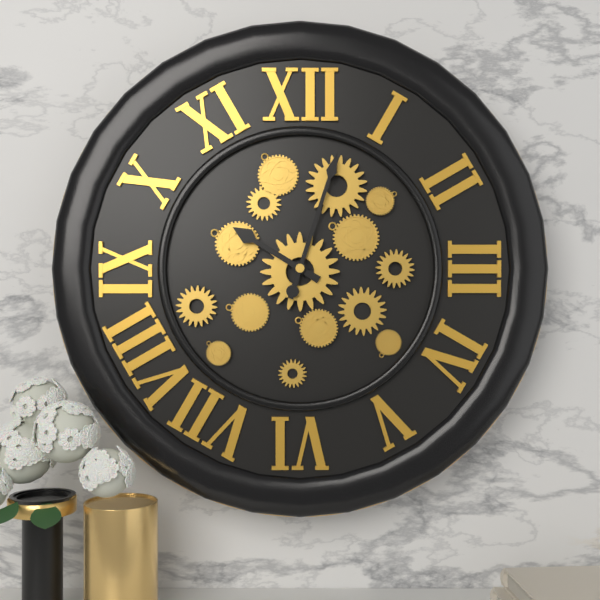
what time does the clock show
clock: 10:03
